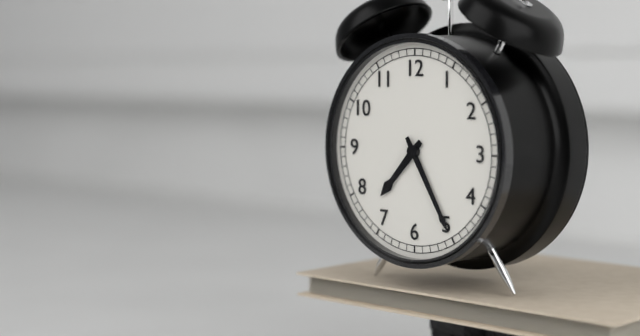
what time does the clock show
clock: 7:25
